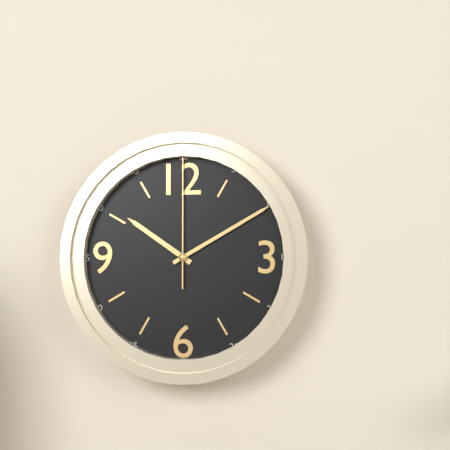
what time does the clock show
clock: 10:10:00
